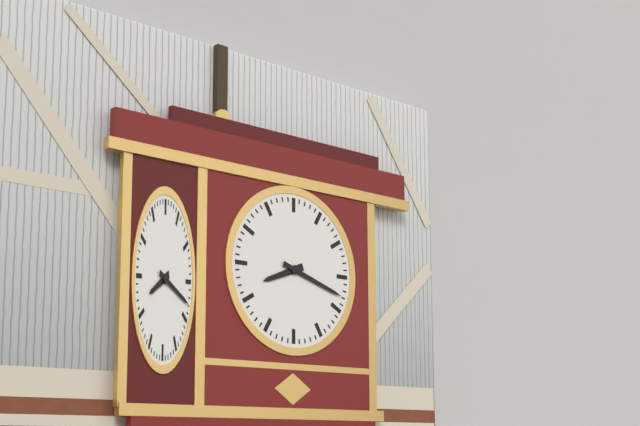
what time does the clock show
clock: 8:18
